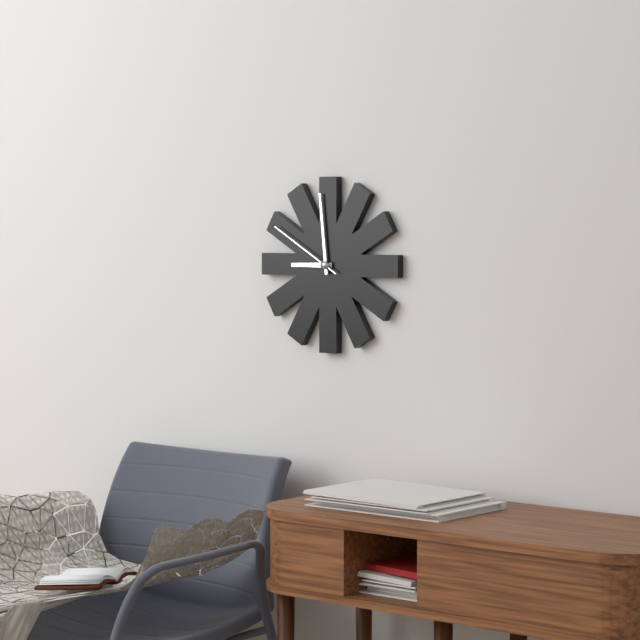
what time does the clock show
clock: 8:59:50
